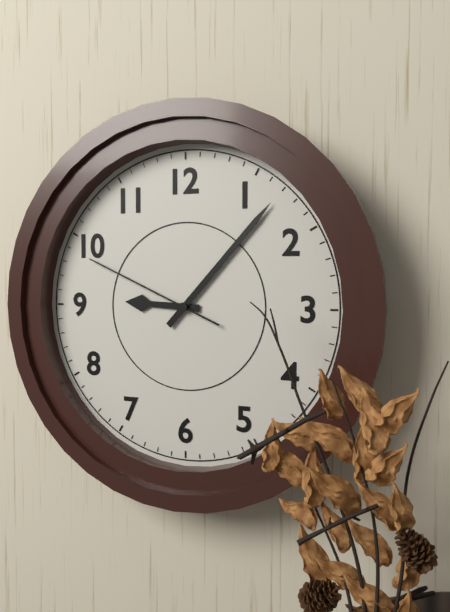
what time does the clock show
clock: 9:07:49
